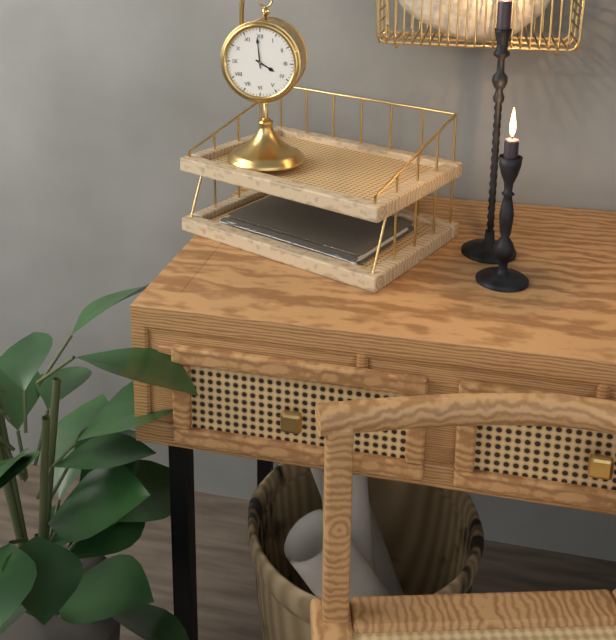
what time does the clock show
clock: 3:59
